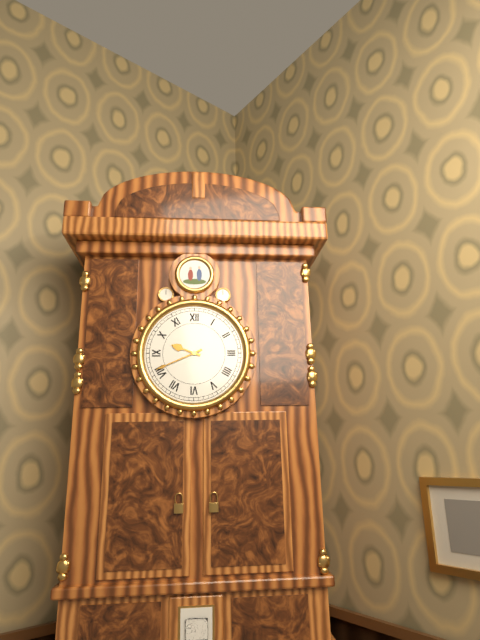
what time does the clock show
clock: 9:41
